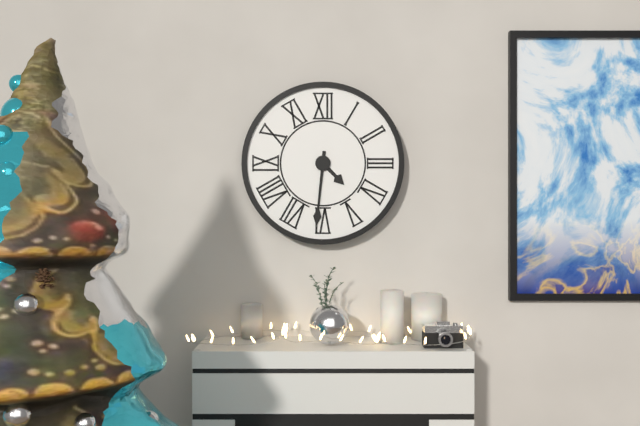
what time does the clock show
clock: 4:31
